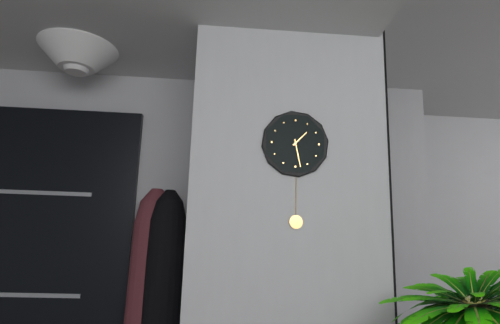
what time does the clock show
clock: 1:28
